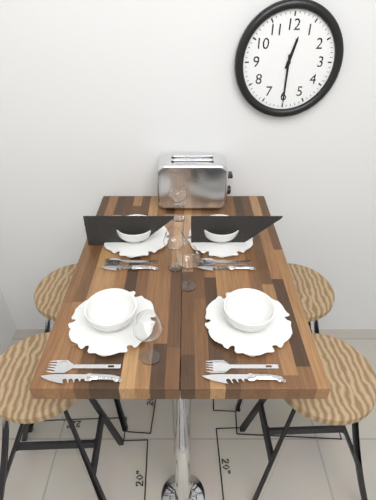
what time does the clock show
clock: 12:30
